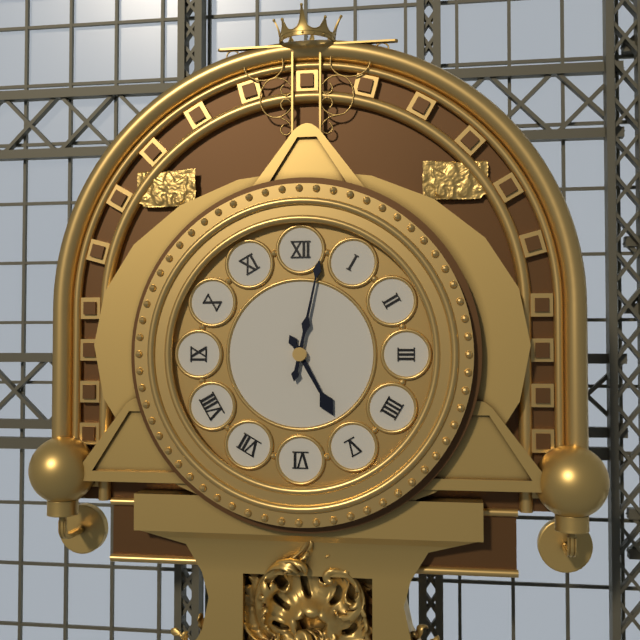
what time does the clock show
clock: 5:02
